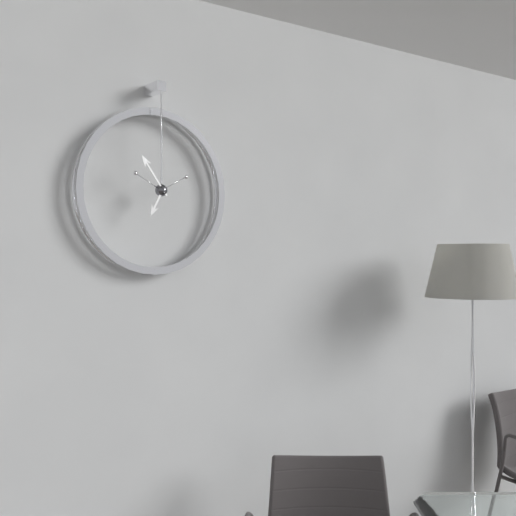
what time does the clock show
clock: 6:54
